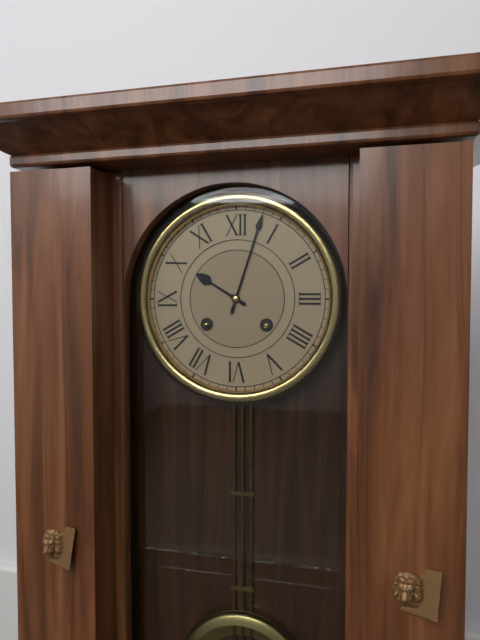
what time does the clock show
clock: 10:03
